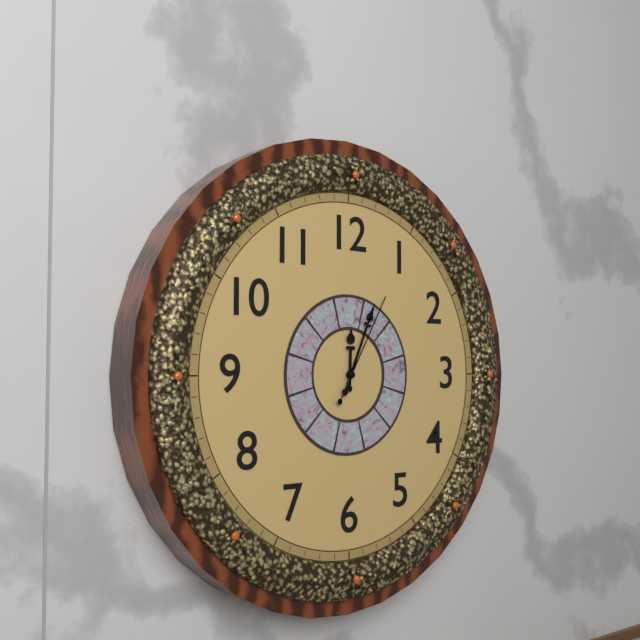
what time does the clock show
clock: 12:04:05
